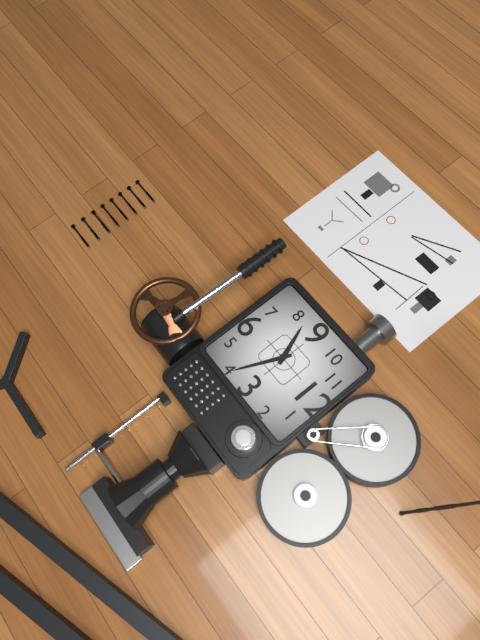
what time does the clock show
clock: 8:19
